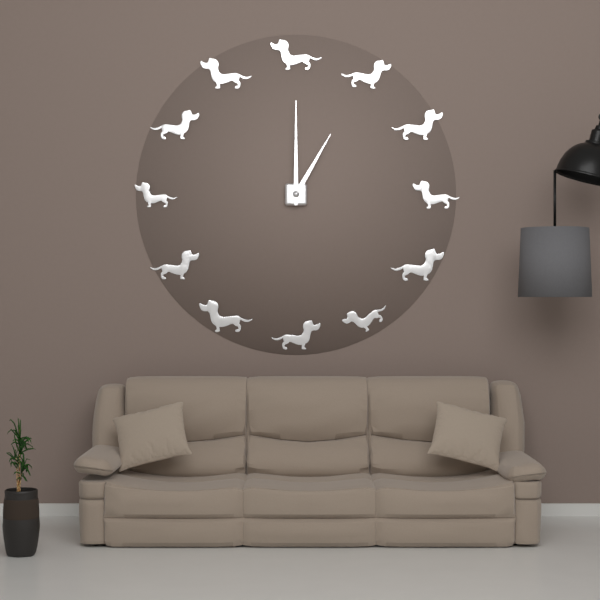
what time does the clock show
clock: 1:00
